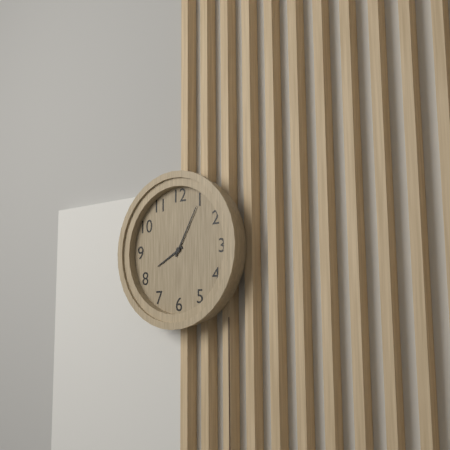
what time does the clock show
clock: 8:05
